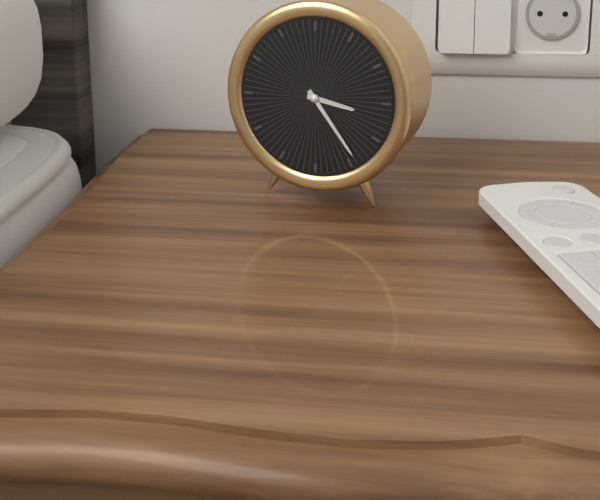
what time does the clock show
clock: 3:24
